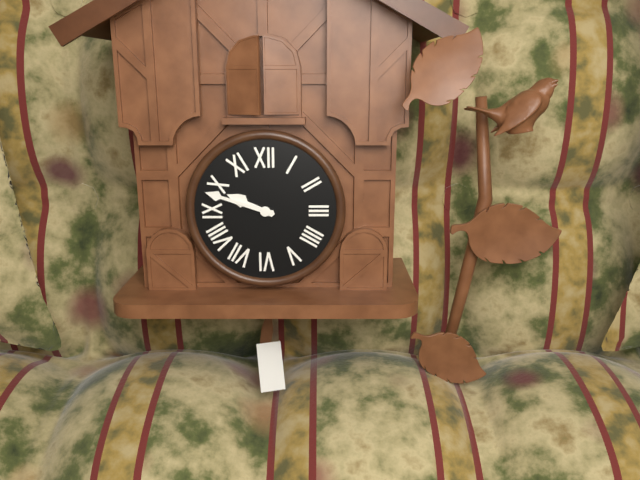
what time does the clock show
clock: 9:48
